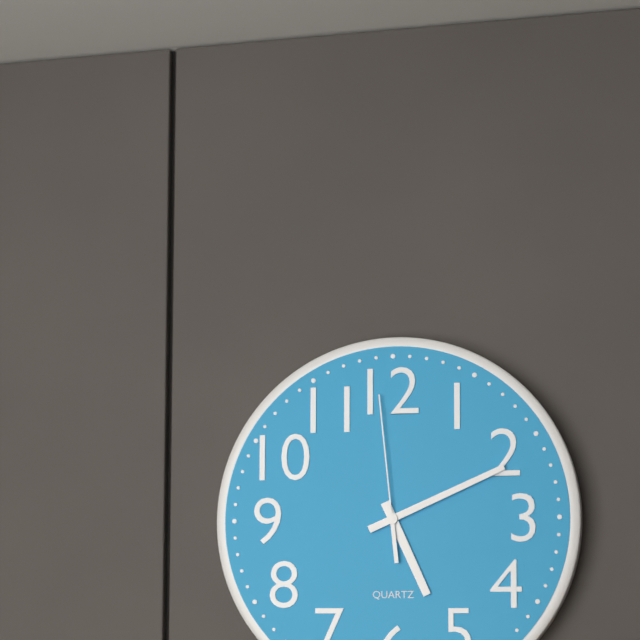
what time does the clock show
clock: 5:11:59
